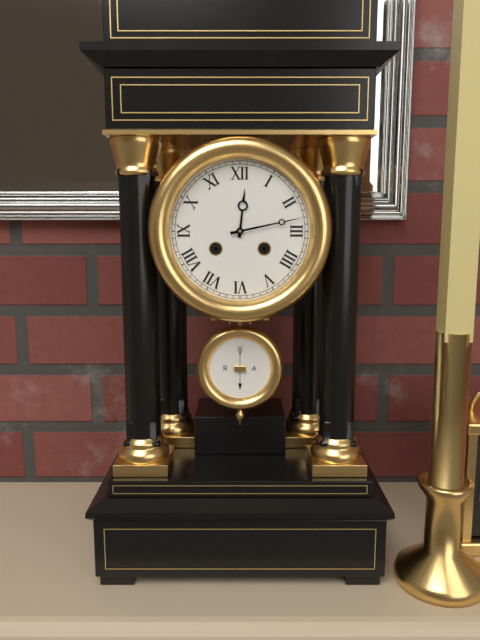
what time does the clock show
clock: 12:13
